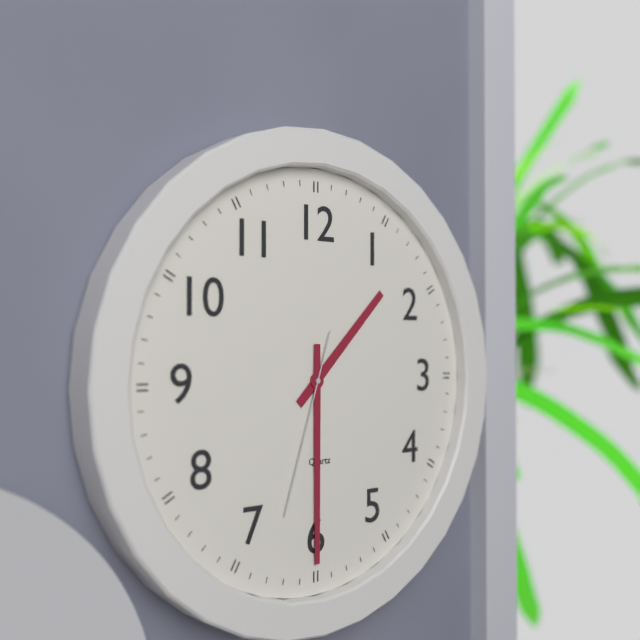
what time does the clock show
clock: 1:30:33
